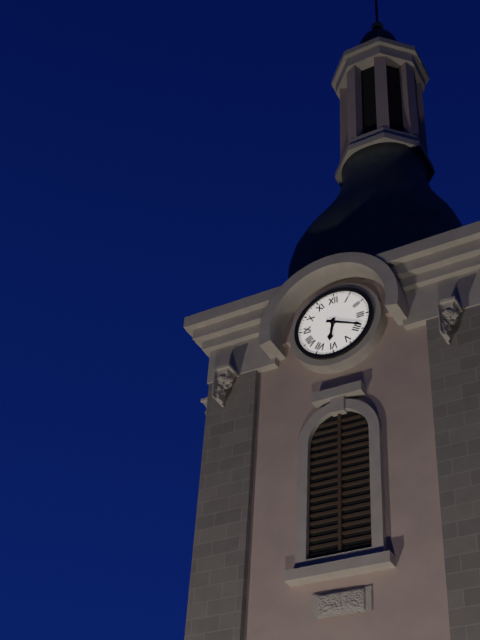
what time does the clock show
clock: 6:19
